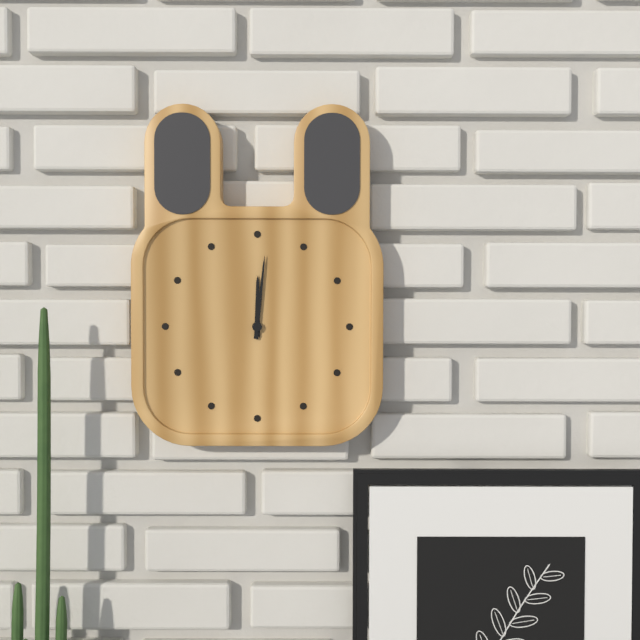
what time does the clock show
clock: 12:01
